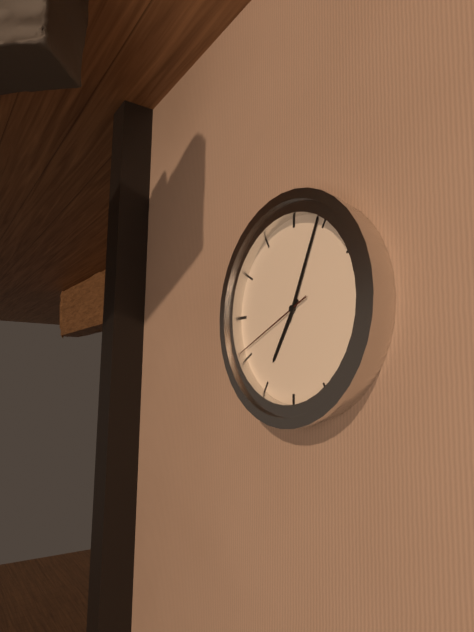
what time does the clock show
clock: 7:04:41
